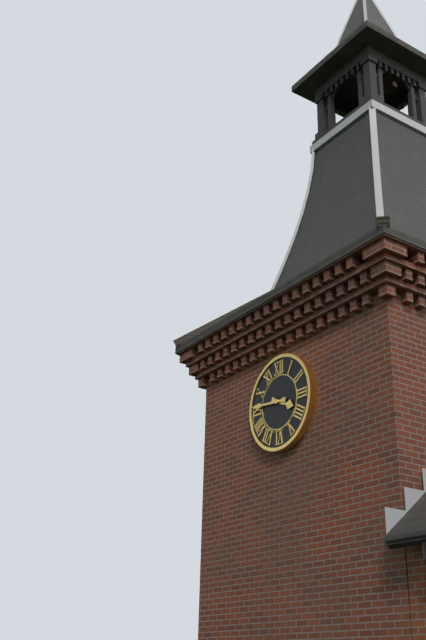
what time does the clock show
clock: 3:46
